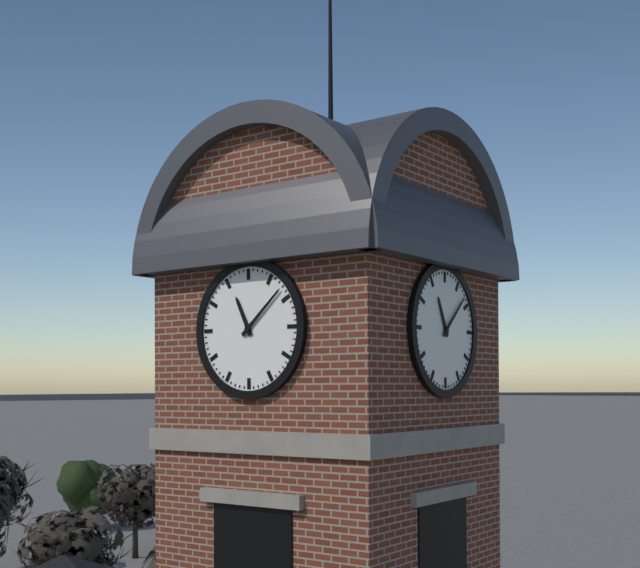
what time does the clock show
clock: 11:08
